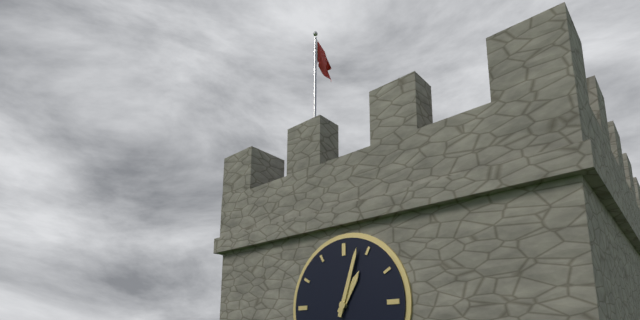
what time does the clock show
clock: 1:03
